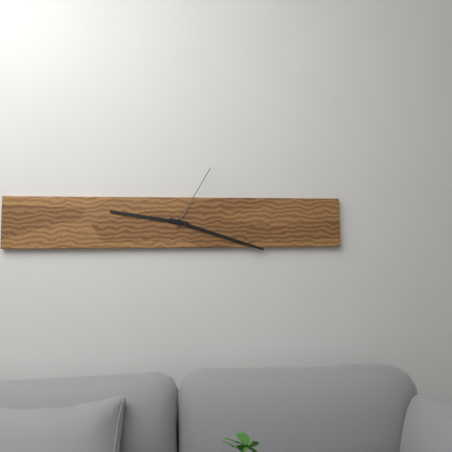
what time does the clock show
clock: 9:18:05
